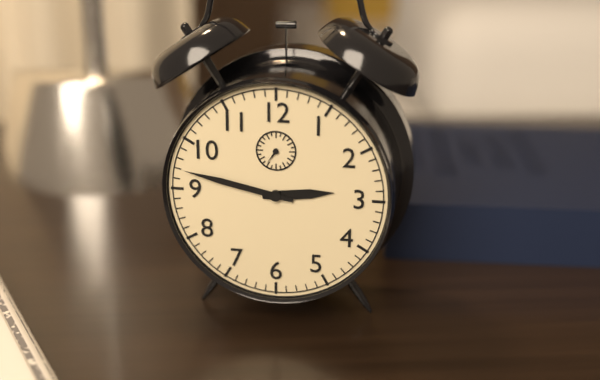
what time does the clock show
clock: 2:47
